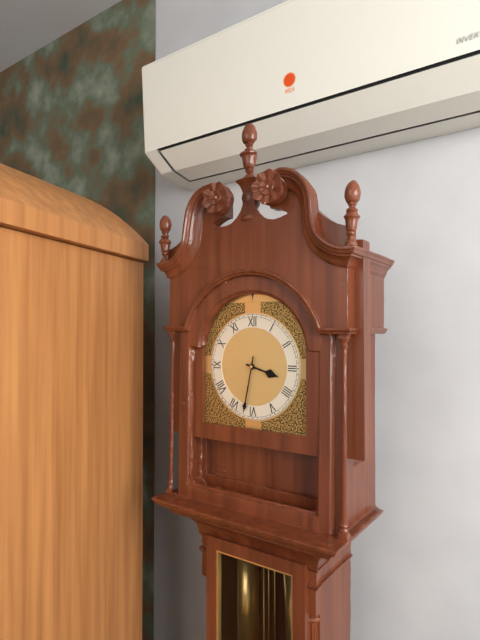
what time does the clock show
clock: 3:32
